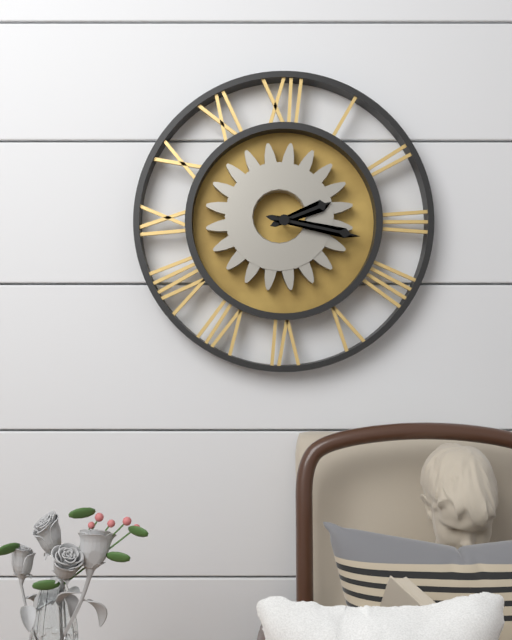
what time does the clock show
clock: 2:17
